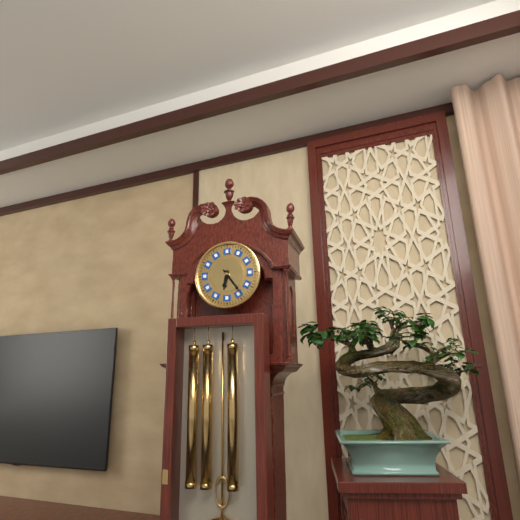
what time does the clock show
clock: 6:24
